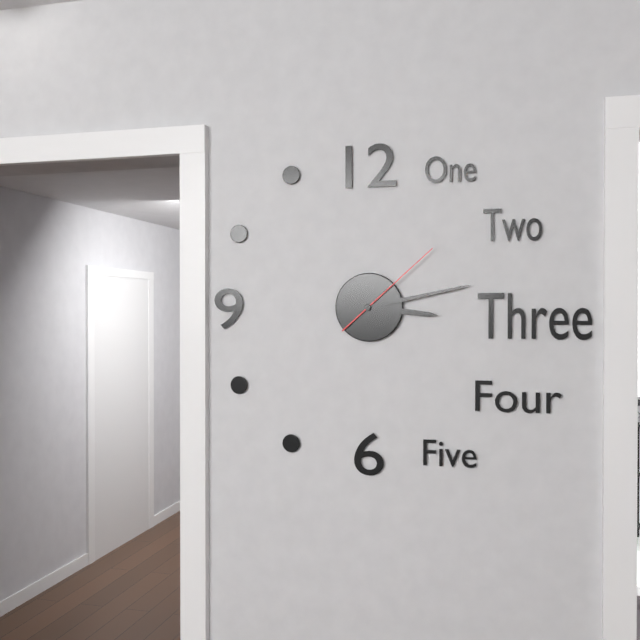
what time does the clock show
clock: 3:13:08
